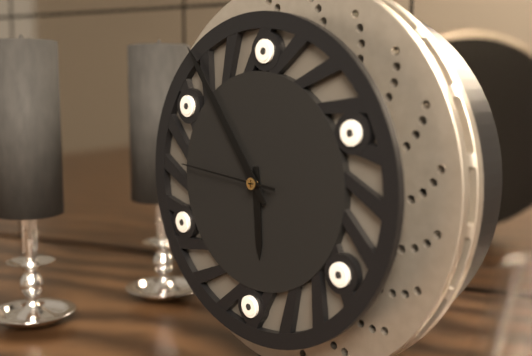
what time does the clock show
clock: 5:54:46
